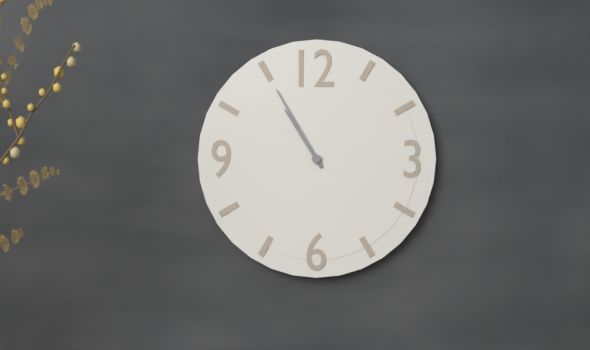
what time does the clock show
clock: 10:55
